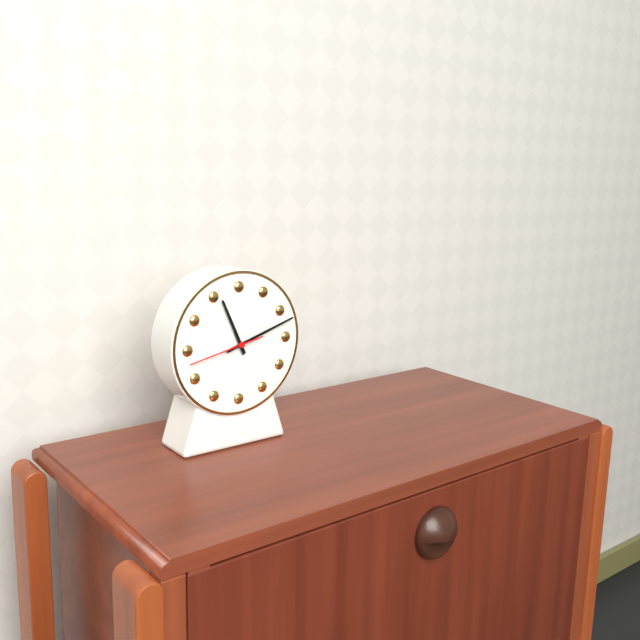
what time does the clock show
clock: 11:12:43
